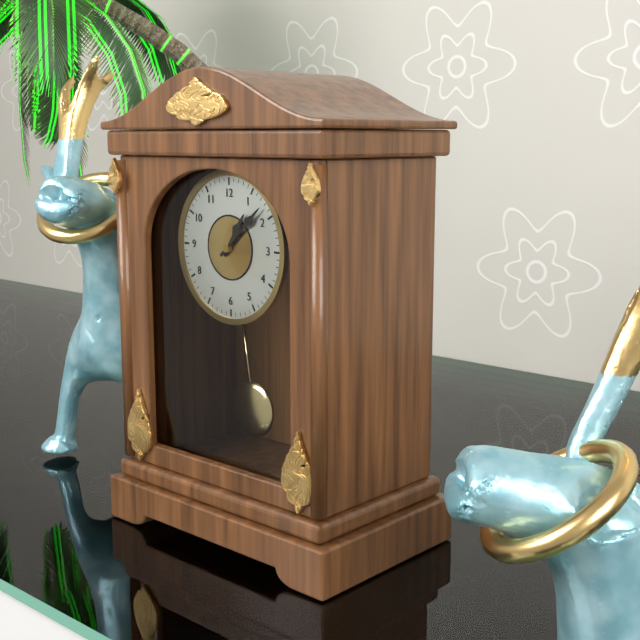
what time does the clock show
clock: 1:08
